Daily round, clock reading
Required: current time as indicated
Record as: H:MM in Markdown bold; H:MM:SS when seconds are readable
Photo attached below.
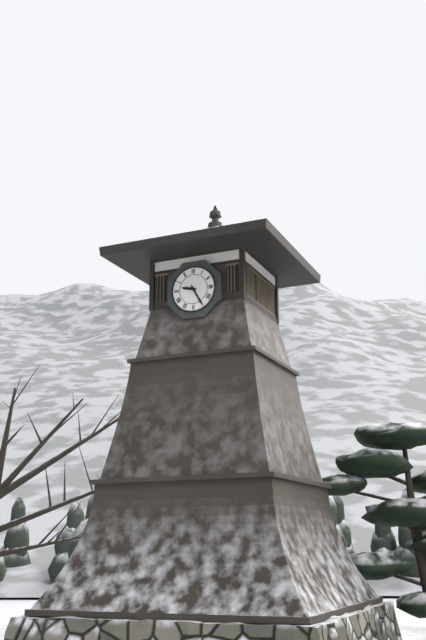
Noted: **9:25**
